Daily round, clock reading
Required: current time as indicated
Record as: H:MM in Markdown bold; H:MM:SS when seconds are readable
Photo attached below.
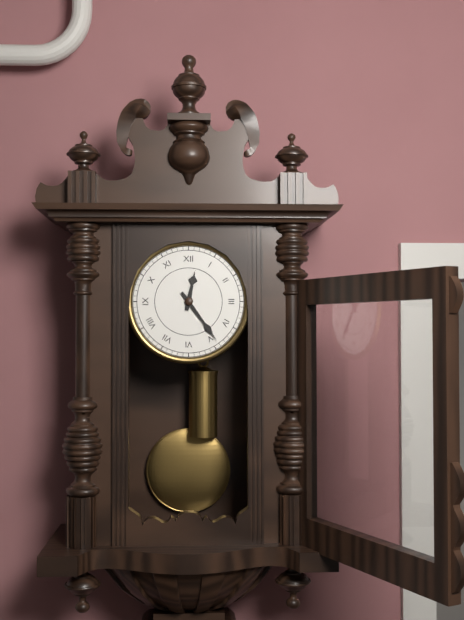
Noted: **12:24**
